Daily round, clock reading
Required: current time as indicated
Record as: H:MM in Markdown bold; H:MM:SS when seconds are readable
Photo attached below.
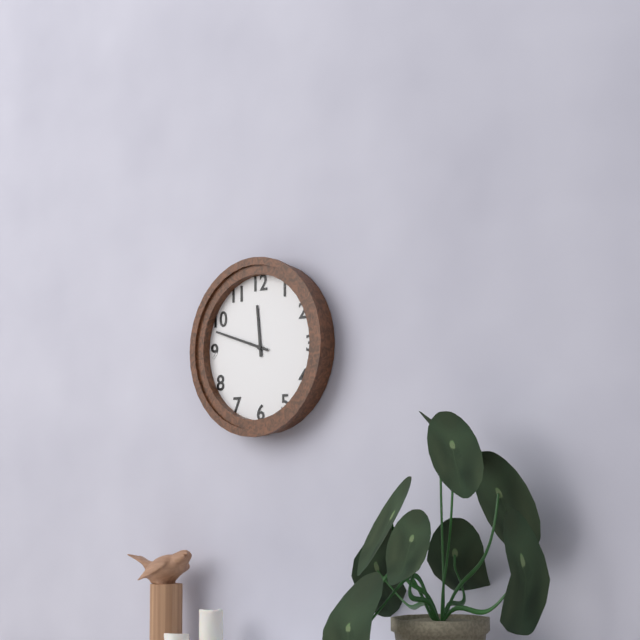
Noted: **11:48**
